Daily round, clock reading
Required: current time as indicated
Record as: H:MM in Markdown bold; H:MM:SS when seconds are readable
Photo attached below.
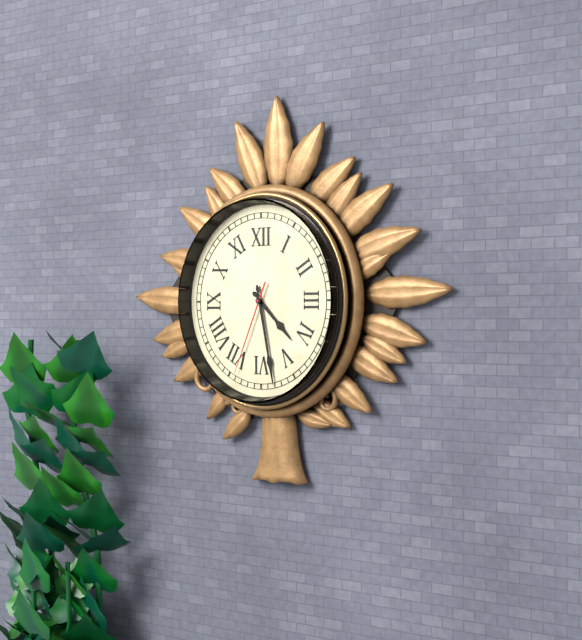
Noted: **4:28:34**
